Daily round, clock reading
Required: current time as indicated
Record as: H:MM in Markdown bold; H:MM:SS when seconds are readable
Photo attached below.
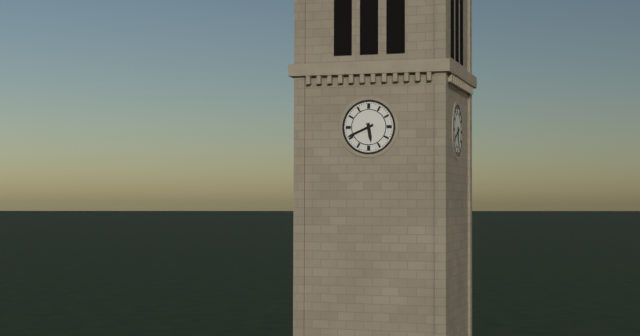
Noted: **5:41**
